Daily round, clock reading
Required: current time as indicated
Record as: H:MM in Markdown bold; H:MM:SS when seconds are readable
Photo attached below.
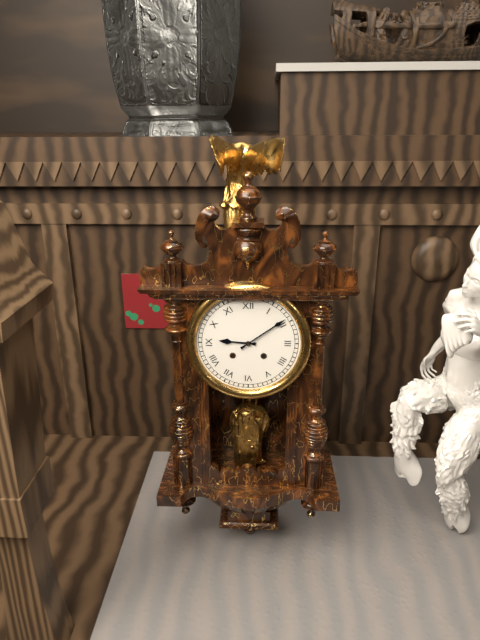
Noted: **9:09**
